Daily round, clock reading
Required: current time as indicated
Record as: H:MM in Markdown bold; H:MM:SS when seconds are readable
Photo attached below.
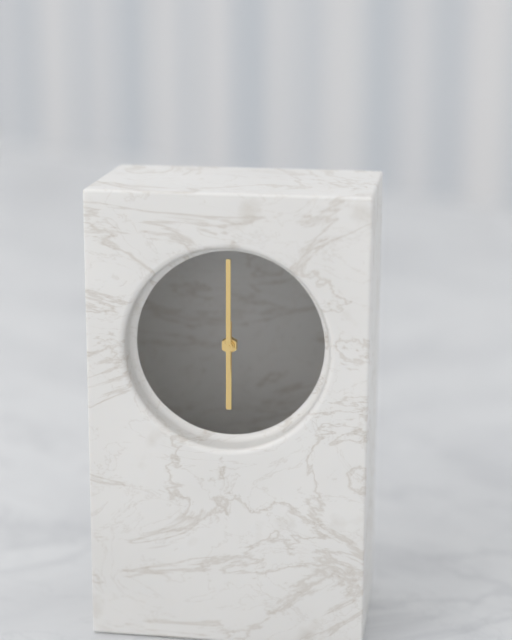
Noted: **6:00**
